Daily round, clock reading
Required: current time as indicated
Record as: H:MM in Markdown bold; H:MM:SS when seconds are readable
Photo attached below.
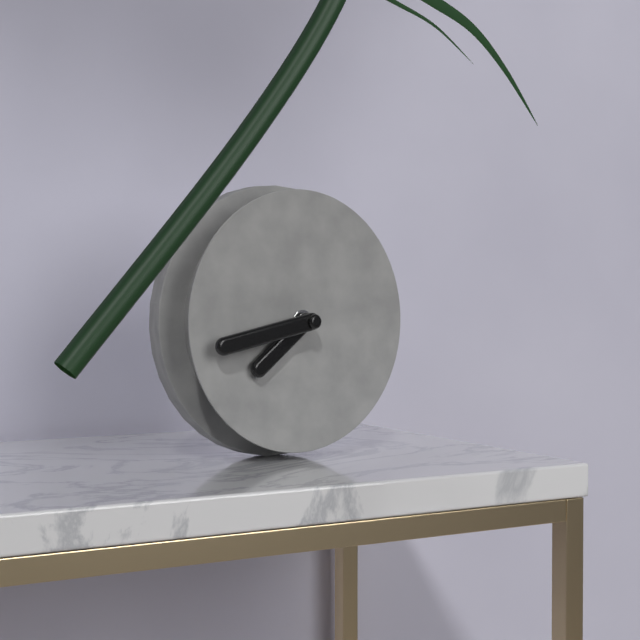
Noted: **7:43**
